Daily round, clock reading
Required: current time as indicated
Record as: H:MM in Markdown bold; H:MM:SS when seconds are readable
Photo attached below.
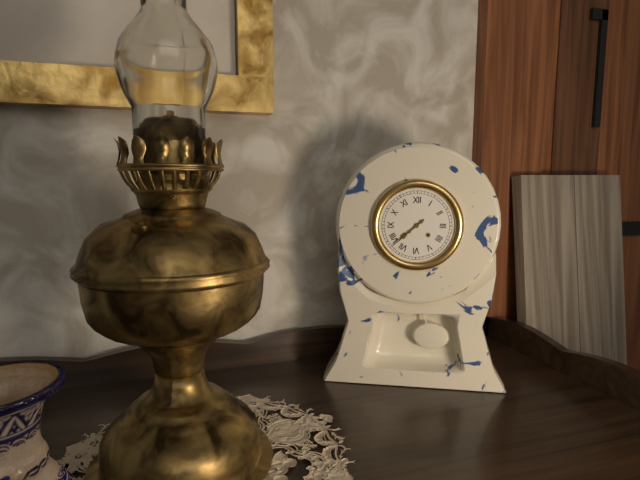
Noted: **7:38**
